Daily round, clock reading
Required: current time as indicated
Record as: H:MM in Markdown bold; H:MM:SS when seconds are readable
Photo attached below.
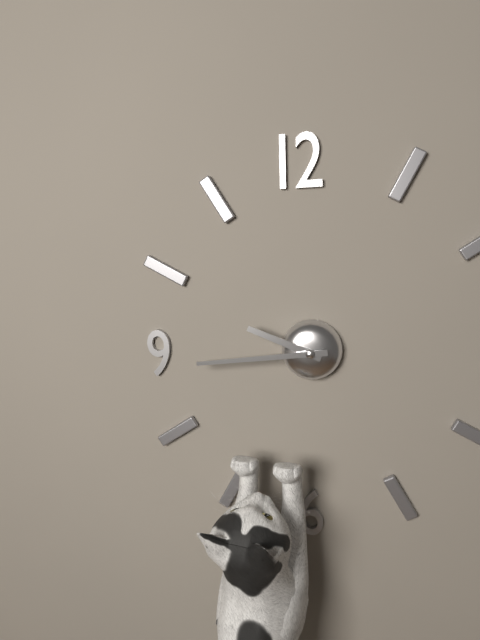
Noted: **9:44**
